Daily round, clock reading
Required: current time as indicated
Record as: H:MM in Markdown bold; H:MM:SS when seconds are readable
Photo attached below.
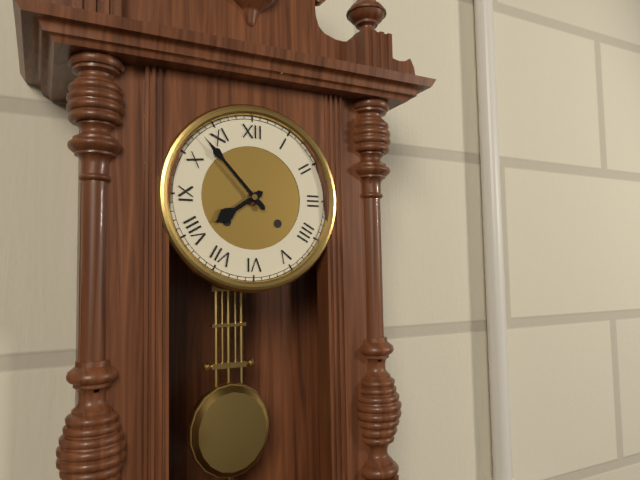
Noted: **7:53**
